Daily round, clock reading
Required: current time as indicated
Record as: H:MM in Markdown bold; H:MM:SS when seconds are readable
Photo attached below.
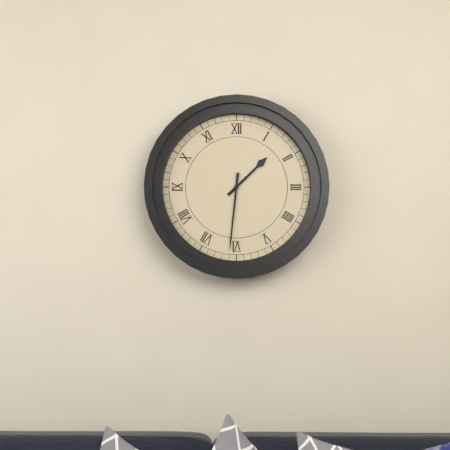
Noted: **1:31**
